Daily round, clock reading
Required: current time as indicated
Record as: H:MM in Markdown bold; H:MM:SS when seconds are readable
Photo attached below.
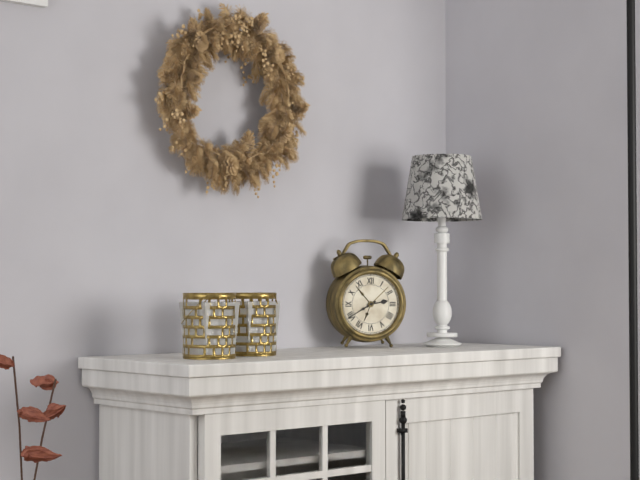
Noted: **2:40**
